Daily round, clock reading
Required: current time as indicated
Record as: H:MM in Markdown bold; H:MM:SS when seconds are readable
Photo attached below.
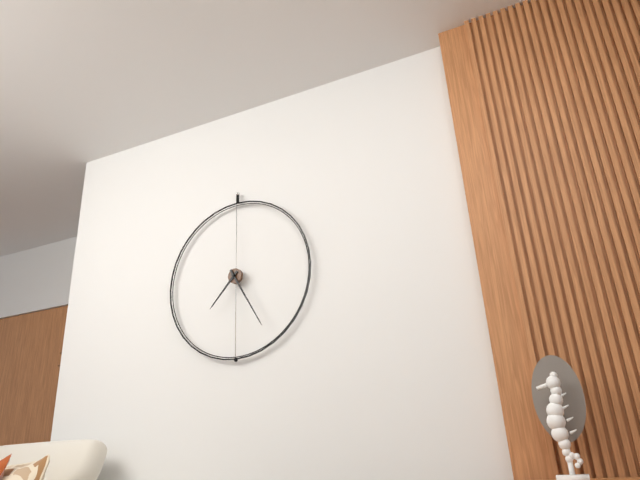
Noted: **7:25**
